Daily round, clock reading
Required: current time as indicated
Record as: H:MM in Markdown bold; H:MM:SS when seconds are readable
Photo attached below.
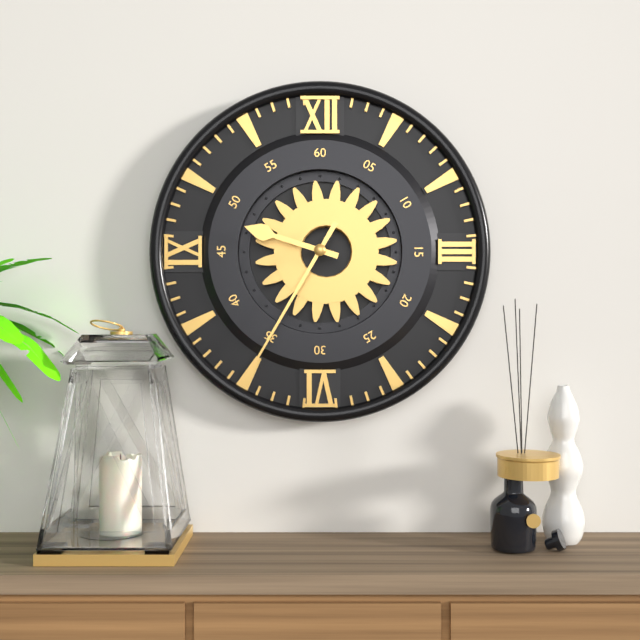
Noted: **9:35**
